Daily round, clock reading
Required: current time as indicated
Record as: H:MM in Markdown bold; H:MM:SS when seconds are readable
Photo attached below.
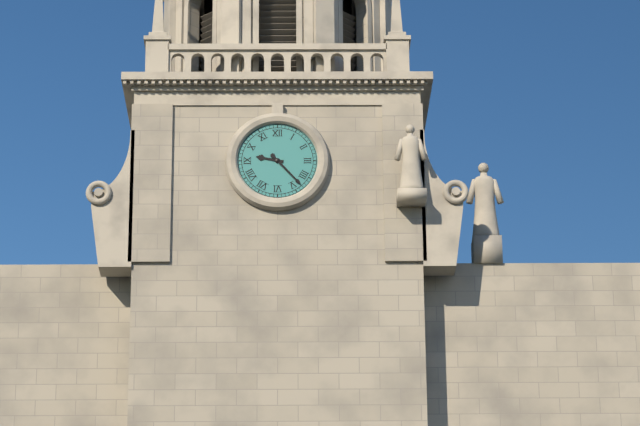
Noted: **9:23**
